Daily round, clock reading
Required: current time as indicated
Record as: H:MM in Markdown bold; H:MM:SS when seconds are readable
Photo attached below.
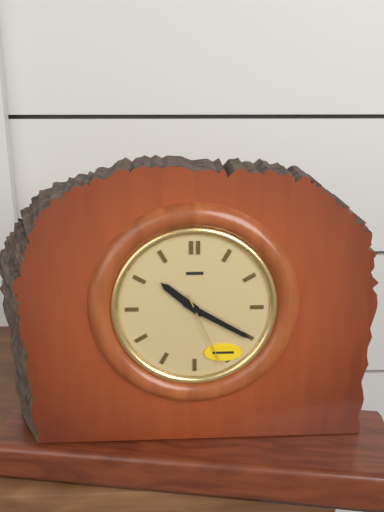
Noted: **10:20:26**
